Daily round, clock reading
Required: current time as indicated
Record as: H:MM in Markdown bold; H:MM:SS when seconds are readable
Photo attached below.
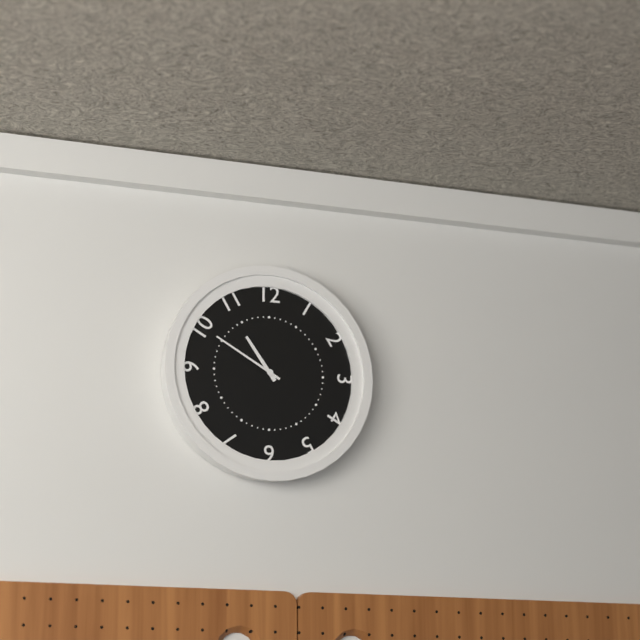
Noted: **10:50**
